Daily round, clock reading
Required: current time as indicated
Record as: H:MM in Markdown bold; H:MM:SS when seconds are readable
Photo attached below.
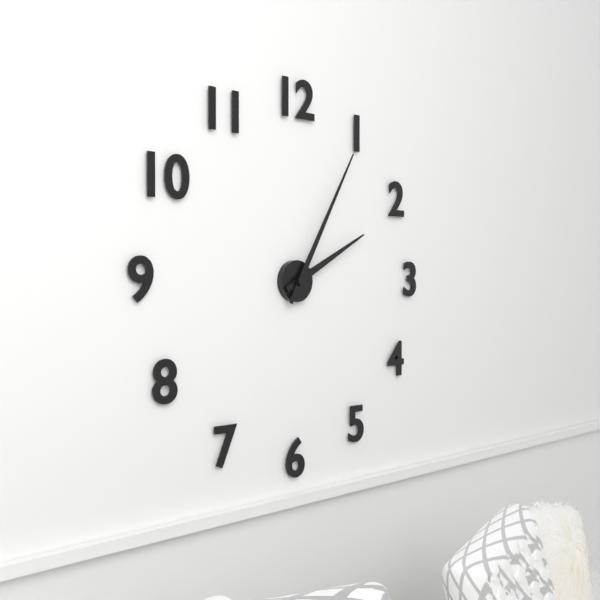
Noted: **2:05**
